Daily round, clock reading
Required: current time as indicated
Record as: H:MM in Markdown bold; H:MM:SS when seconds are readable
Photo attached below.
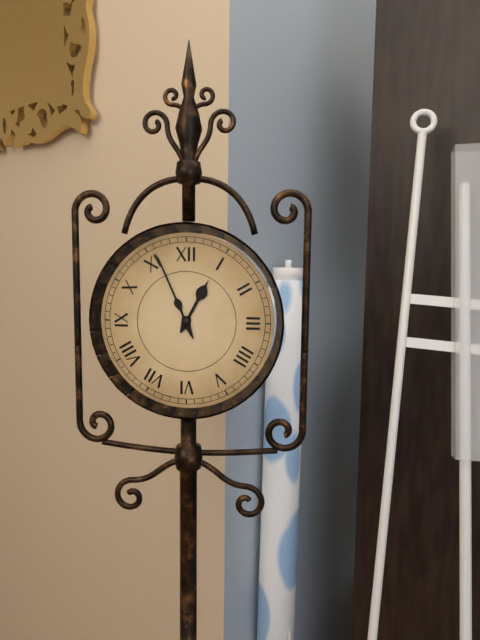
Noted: **12:56**
